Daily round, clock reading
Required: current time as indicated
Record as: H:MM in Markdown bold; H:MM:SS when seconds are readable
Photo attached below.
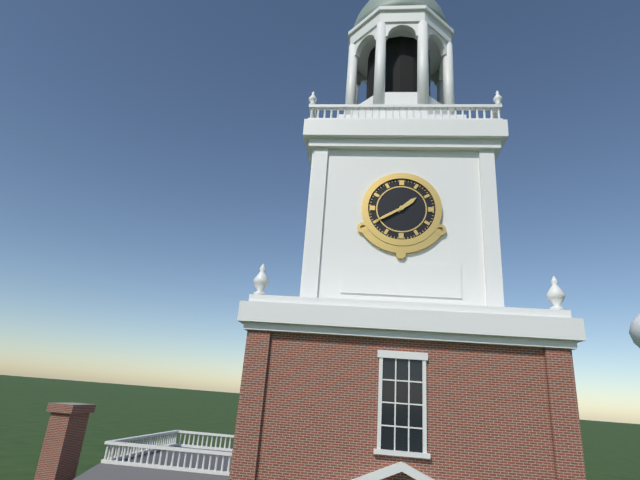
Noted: **1:40**
